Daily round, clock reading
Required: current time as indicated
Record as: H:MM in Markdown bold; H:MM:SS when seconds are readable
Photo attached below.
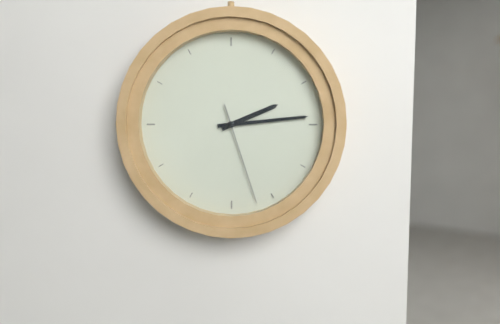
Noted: **2:14:27**
